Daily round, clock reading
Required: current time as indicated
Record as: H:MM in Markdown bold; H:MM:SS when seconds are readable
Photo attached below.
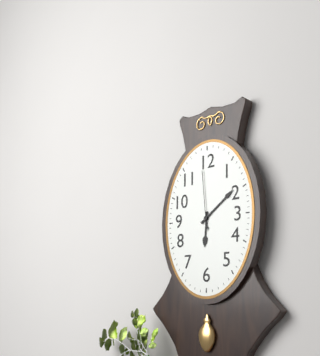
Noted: **6:09:59**
